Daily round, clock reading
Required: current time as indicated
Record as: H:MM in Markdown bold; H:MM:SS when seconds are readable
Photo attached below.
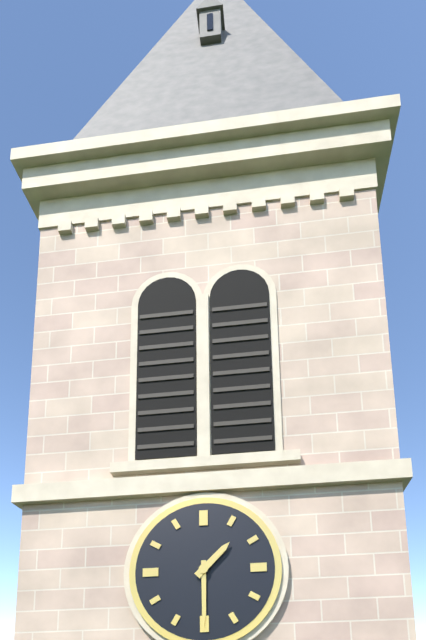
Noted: **1:30**
